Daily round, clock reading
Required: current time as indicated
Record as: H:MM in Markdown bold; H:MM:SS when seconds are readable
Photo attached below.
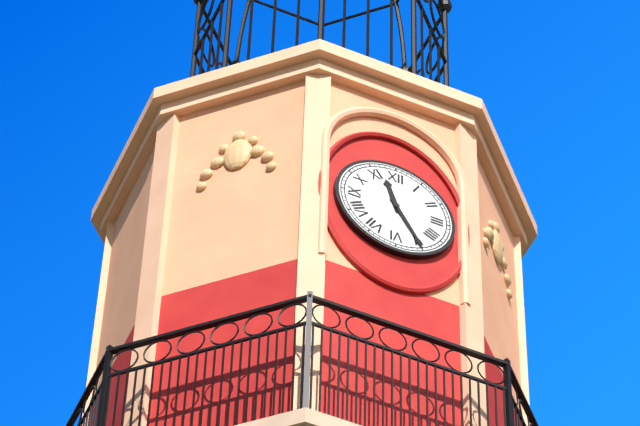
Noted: **11:25**
